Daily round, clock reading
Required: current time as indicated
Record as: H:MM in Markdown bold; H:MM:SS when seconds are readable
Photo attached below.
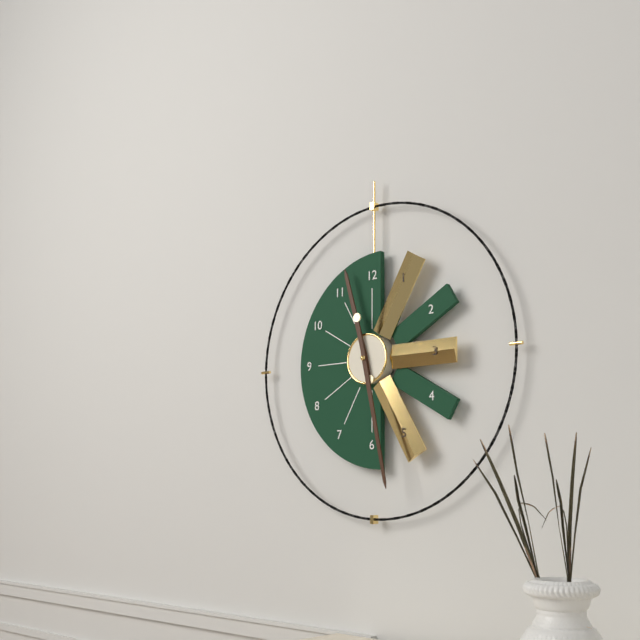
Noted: **11:28**
